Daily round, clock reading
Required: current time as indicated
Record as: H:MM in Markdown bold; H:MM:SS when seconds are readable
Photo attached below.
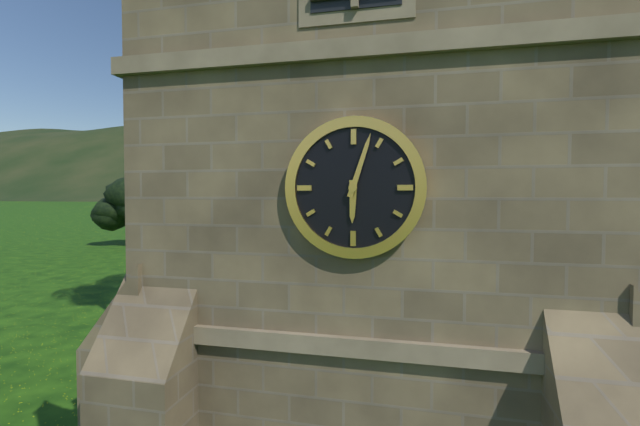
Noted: **6:03**
